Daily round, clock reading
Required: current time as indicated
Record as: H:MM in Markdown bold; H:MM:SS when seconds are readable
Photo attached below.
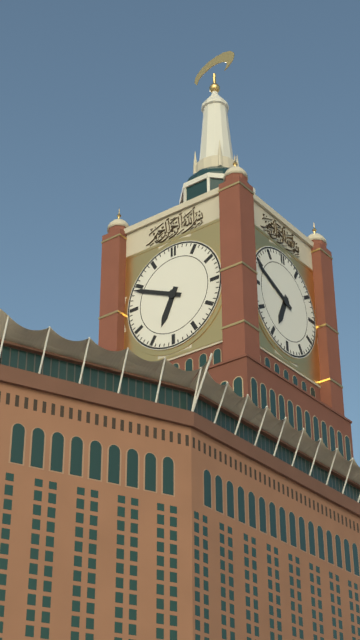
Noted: **6:49**
